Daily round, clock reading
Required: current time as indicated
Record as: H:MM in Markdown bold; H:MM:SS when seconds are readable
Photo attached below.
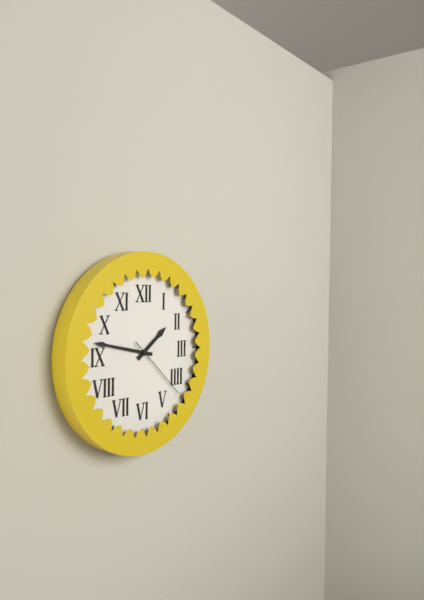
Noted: **1:47:22**
